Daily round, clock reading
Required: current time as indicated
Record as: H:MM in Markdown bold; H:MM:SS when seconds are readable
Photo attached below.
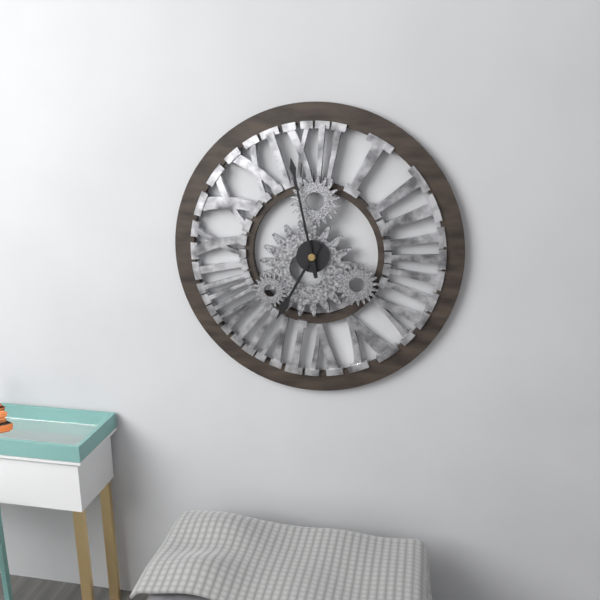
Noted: **6:58**
